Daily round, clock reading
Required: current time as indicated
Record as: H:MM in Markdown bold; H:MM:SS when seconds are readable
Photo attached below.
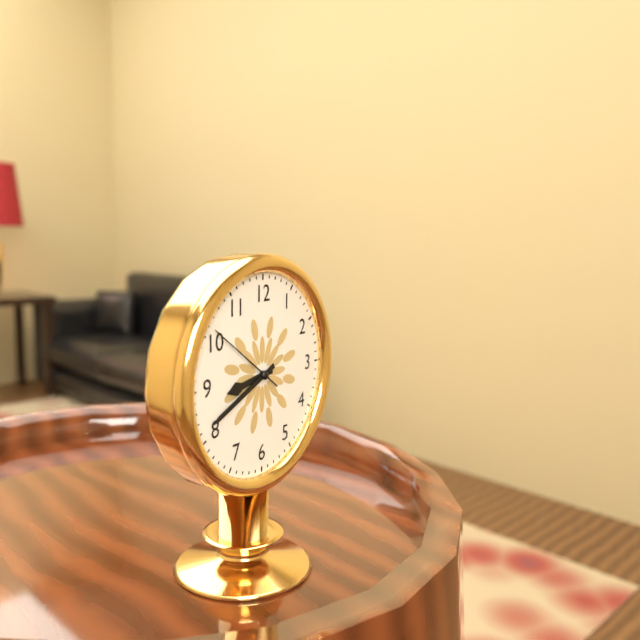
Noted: **8:41:51**
